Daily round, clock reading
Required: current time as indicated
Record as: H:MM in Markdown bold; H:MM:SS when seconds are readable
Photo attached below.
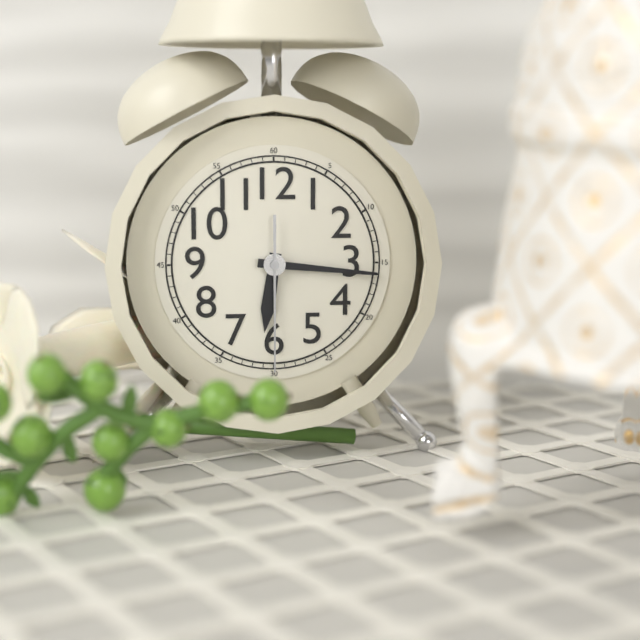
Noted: **6:16:30**
